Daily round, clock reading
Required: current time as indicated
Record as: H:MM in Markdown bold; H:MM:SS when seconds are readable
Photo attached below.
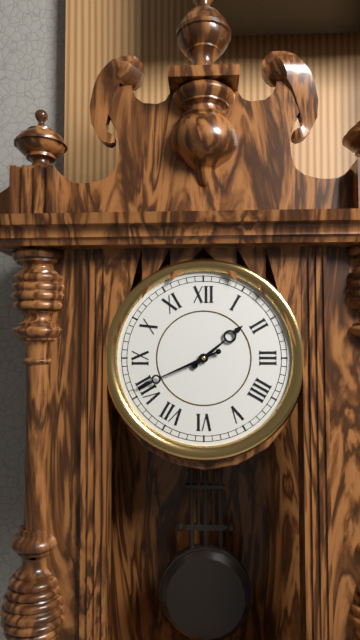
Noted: **1:41**
